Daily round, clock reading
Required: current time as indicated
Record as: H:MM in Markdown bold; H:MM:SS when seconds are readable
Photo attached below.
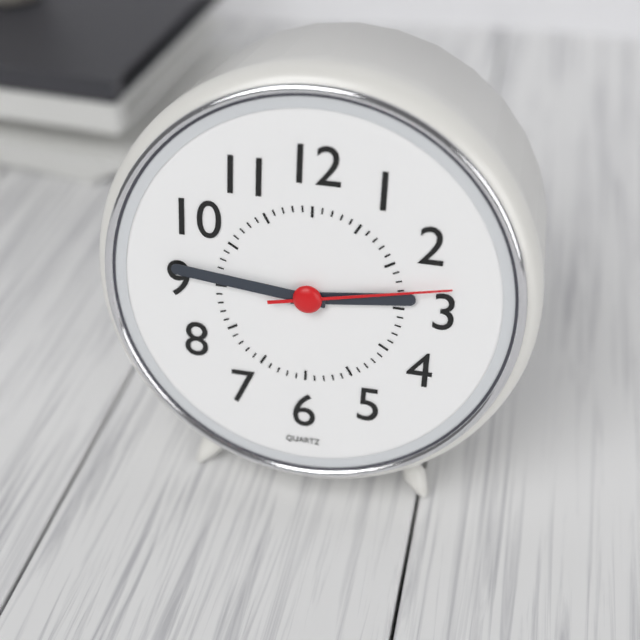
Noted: **2:46:13**
